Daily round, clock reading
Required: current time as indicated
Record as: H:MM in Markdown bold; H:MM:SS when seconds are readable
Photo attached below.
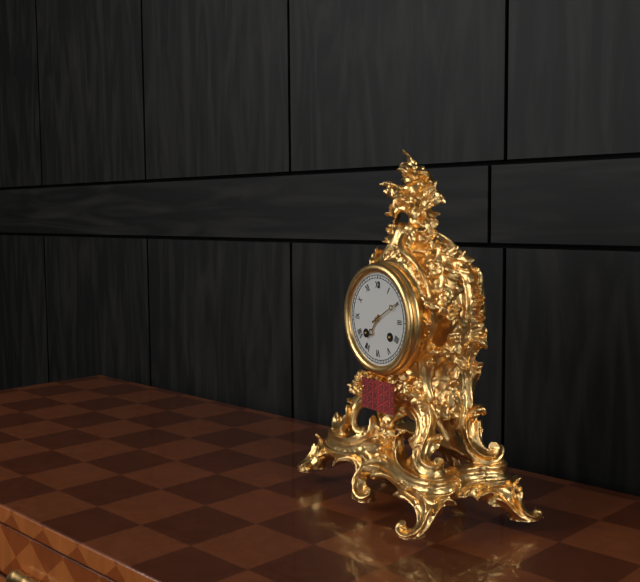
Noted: **7:10**
